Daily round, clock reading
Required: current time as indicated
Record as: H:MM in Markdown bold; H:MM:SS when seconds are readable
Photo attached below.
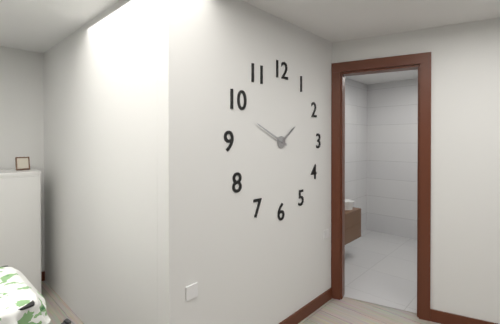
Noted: **1:49**
